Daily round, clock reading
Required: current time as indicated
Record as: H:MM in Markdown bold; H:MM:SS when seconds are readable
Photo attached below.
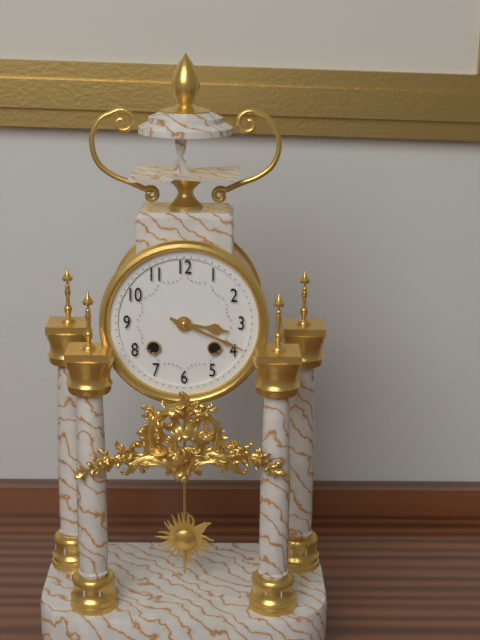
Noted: **3:19**
